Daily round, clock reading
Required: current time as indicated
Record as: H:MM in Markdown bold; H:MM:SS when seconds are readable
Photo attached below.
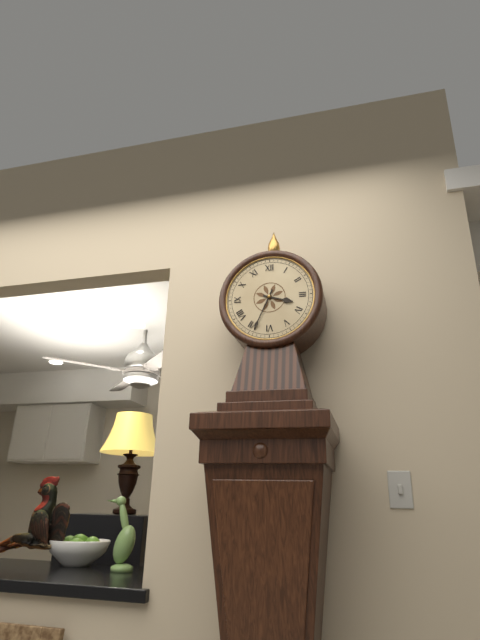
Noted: **3:34**
